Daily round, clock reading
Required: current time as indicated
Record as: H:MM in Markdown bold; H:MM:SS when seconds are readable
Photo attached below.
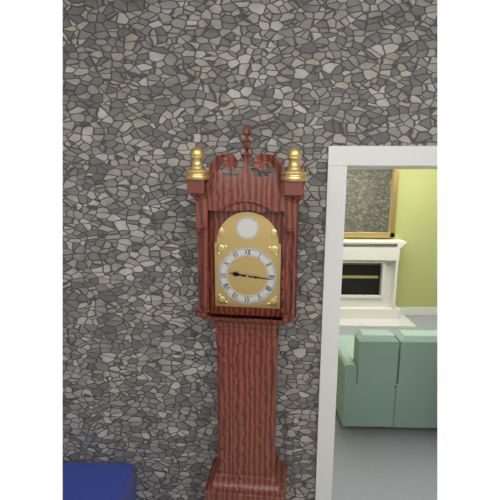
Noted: **9:16**
